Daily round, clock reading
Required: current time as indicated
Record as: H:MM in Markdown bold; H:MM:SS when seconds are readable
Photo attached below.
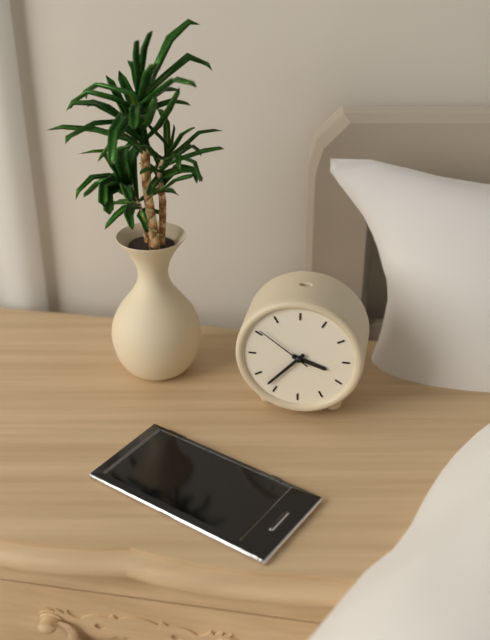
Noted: **3:37:51**
